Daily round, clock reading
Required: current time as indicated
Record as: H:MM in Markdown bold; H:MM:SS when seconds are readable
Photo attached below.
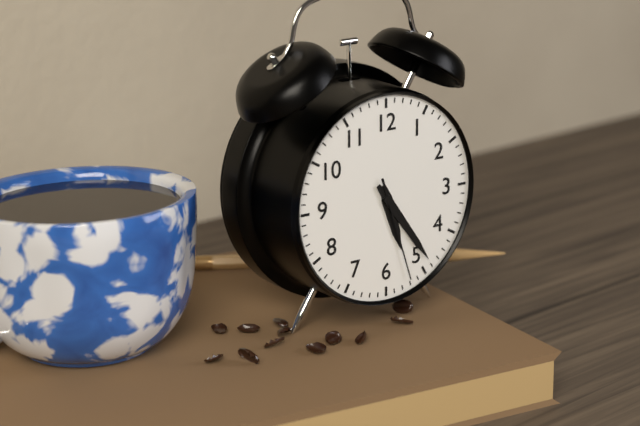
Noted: **5:24:27**
